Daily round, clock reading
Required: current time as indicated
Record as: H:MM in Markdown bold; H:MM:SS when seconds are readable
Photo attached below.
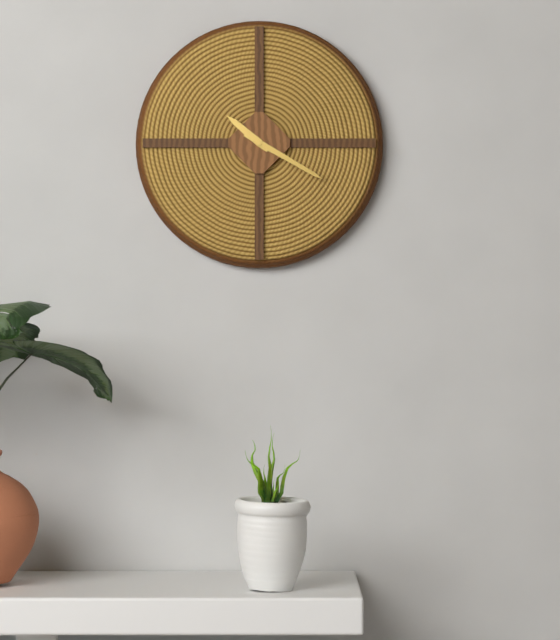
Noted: **10:20**
